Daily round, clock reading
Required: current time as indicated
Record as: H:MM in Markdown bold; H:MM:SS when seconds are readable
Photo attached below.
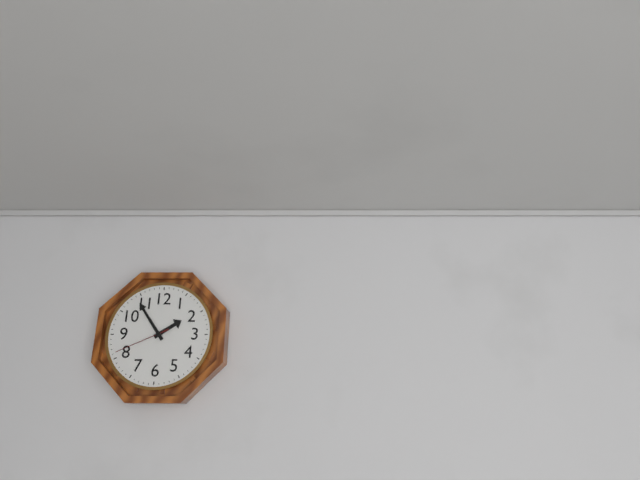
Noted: **1:54:41**
